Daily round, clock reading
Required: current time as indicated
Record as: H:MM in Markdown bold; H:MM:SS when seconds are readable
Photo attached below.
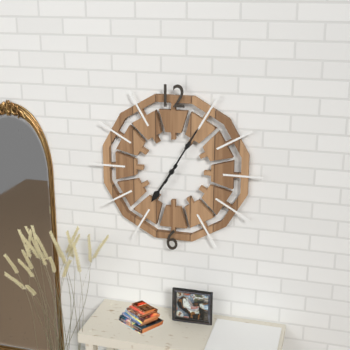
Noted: **7:05**
